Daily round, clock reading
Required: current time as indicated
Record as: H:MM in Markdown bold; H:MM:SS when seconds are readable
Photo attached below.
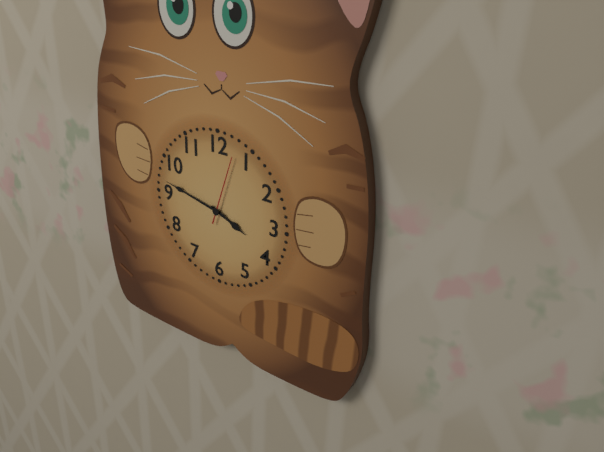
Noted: **3:47:03**
